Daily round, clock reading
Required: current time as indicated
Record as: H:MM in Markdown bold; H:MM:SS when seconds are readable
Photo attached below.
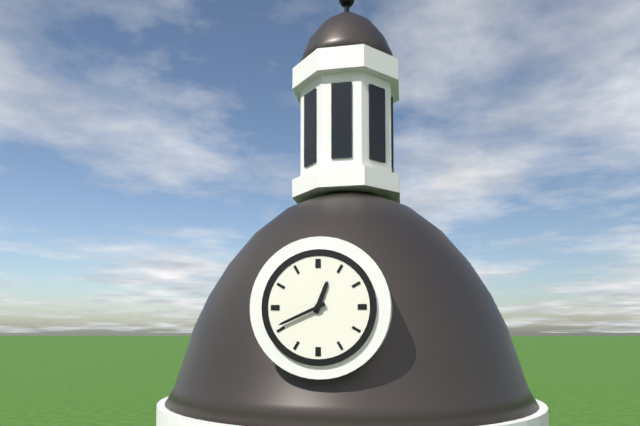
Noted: **12:41**
